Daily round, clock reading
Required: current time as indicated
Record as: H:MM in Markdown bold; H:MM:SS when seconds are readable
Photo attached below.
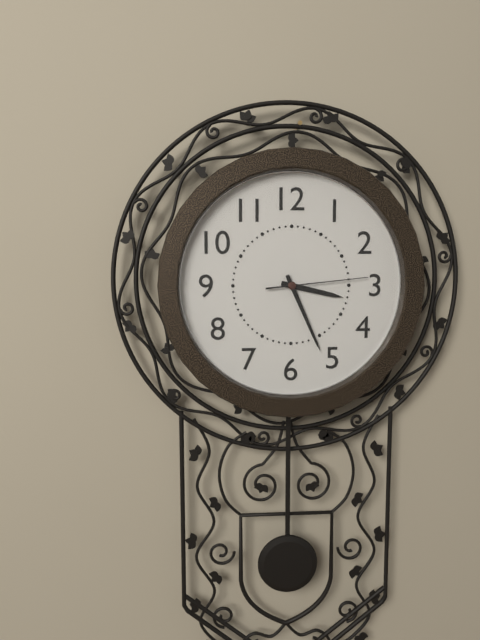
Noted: **3:26:14**
